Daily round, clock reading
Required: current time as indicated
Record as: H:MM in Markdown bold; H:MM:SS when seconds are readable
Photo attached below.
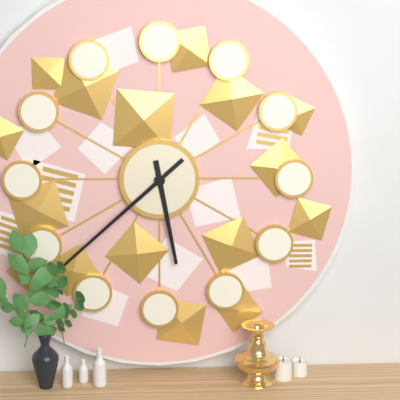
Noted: **5:38**
